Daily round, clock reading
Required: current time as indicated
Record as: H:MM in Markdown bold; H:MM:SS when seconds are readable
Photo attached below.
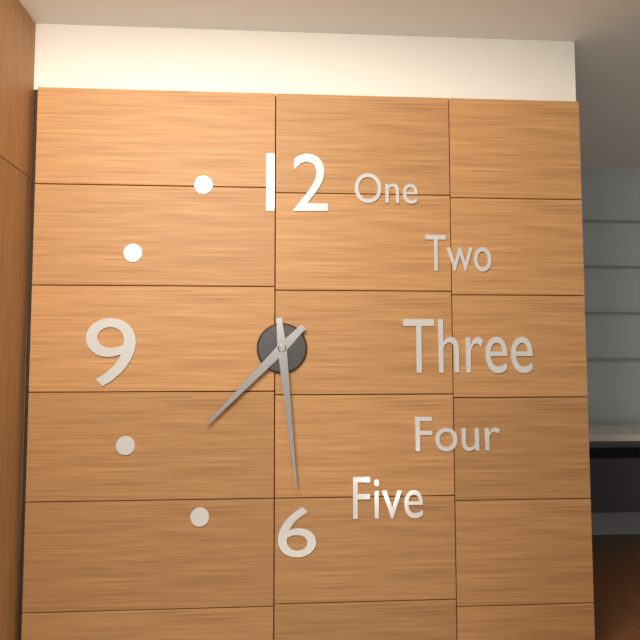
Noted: **7:29**
